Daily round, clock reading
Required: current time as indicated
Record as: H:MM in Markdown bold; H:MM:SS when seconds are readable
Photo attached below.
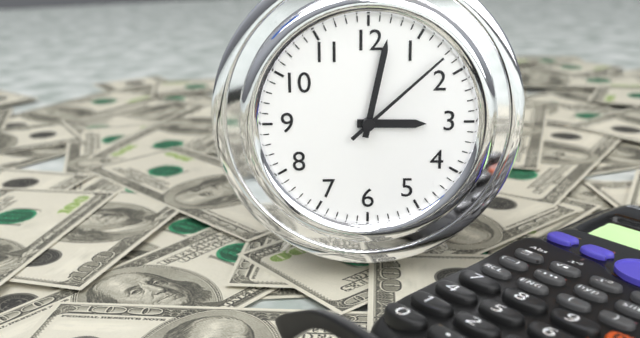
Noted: **3:02:08**
